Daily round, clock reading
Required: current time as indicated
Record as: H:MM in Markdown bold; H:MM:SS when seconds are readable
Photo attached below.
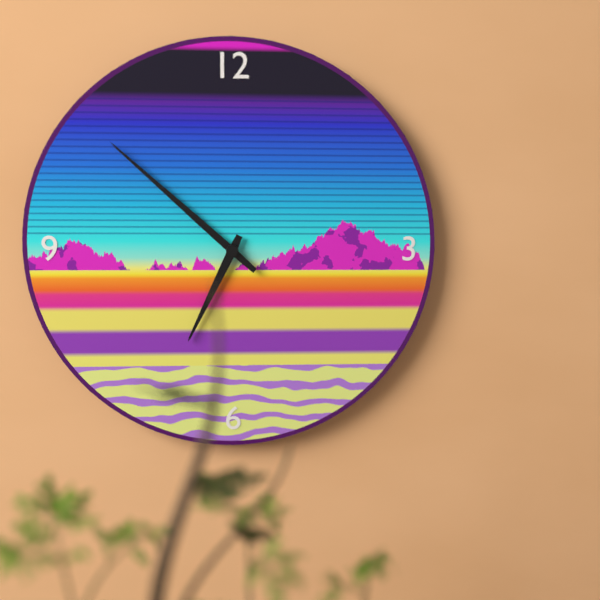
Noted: **6:52**
